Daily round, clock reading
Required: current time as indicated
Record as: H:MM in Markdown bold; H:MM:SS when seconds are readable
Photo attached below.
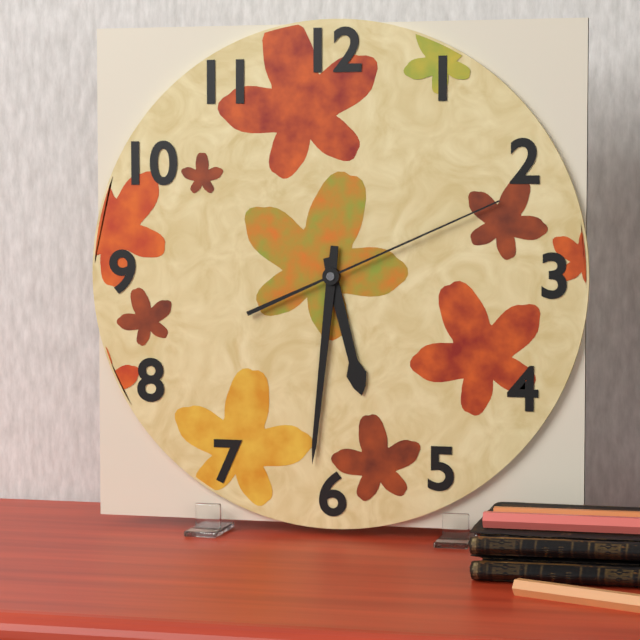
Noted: **5:31:11**
